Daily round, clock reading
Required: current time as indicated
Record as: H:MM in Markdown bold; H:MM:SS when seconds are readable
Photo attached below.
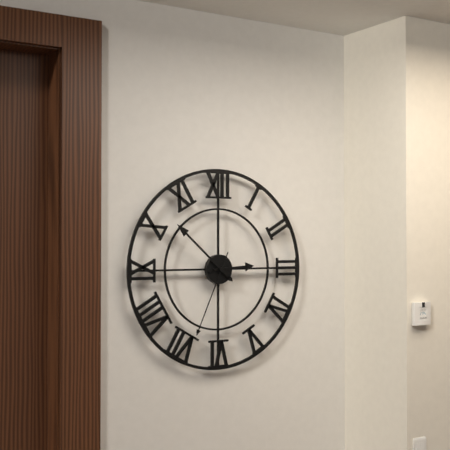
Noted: **2:52:34**
